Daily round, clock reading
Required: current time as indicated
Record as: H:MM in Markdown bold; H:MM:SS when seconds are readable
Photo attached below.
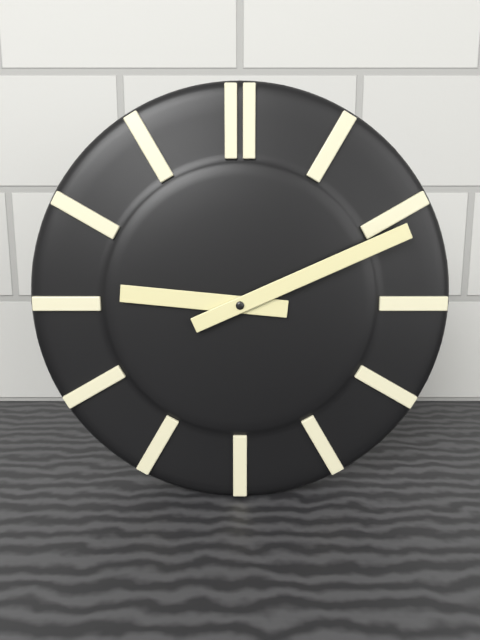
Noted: **9:11**
